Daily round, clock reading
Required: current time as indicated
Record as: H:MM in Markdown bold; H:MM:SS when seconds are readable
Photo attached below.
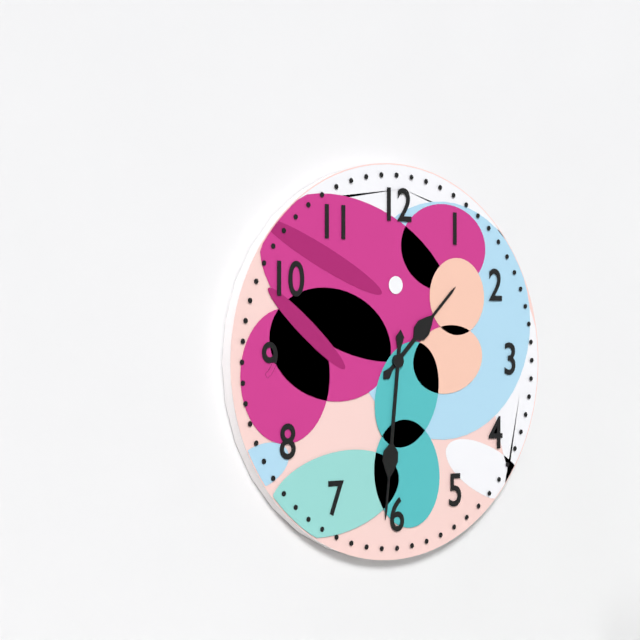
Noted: **1:31**
